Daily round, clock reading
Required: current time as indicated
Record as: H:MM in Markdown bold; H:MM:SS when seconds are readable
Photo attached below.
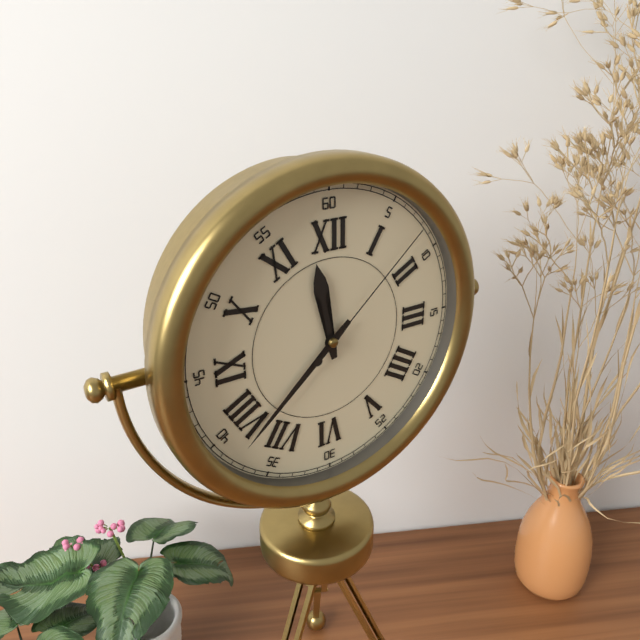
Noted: **11:38:08**
